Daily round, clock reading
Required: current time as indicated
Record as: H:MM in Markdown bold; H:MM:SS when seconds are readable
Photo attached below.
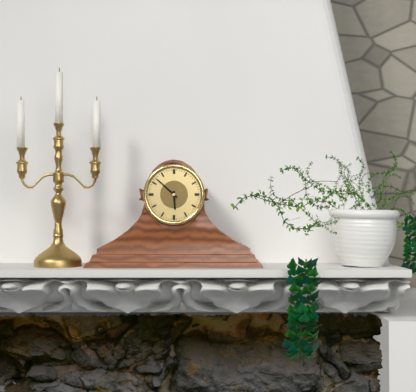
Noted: **5:52**
